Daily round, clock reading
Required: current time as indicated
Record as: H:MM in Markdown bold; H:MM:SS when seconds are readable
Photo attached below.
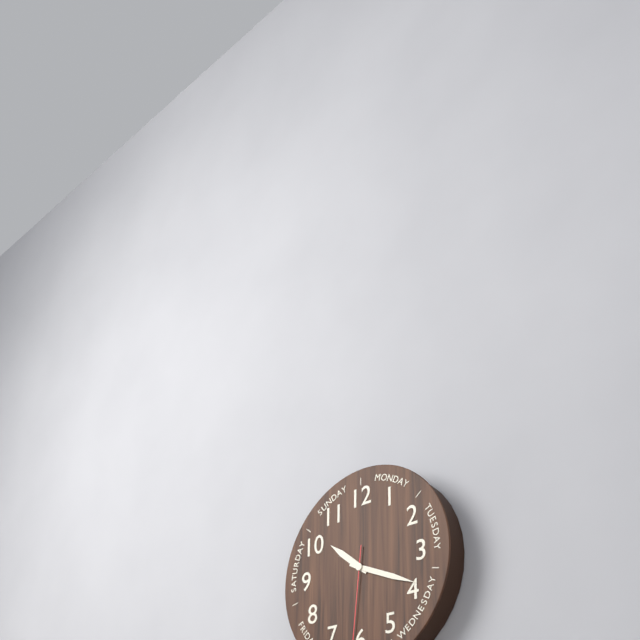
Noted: **10:19**
